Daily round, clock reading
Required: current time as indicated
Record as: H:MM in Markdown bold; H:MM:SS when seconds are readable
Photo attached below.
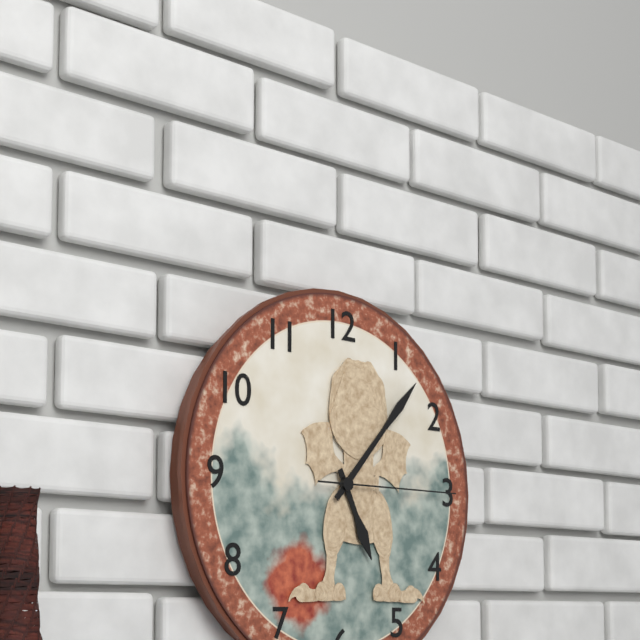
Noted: **5:07:15**
